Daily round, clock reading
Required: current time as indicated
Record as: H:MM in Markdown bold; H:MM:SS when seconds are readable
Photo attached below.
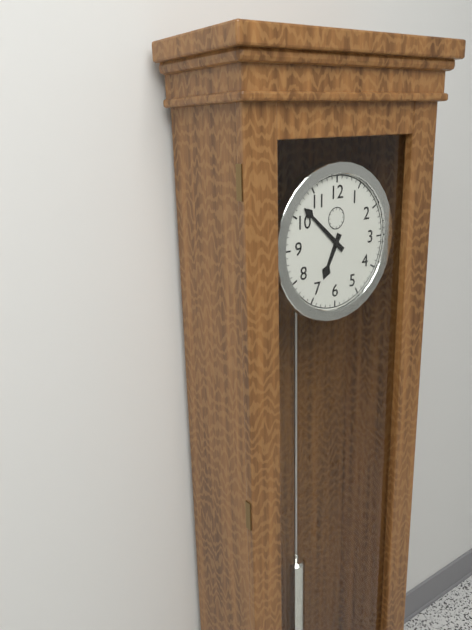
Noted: **6:52**
